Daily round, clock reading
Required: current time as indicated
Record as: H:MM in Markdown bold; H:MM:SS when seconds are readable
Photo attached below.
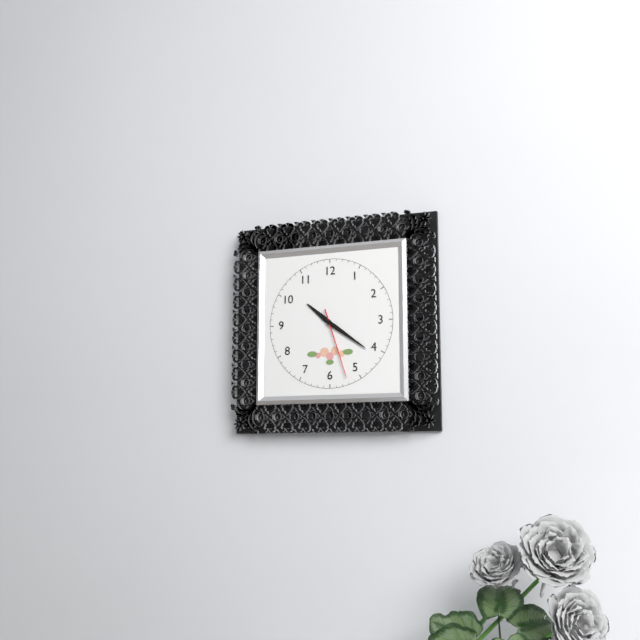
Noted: **10:21:27**
